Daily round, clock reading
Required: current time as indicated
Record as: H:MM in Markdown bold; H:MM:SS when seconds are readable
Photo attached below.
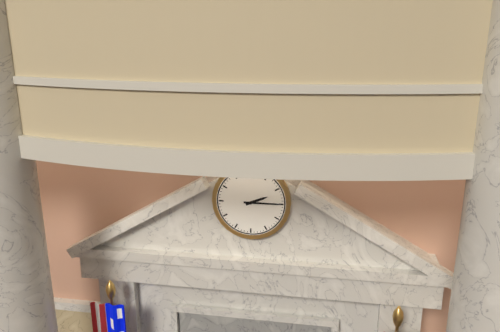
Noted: **2:15**
